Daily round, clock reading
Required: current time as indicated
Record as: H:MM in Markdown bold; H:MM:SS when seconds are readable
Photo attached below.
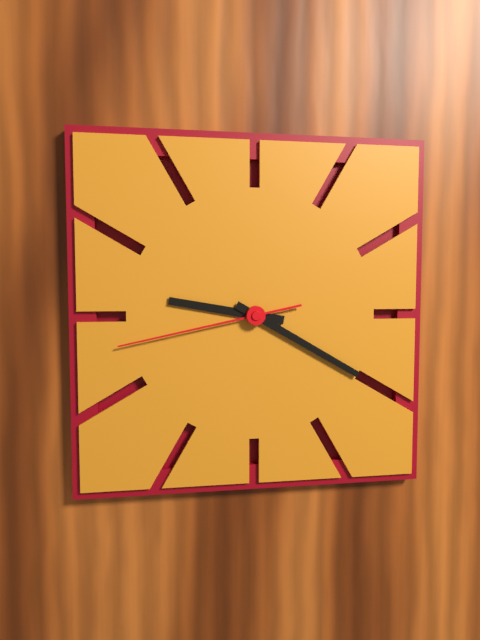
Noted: **9:20:43**
